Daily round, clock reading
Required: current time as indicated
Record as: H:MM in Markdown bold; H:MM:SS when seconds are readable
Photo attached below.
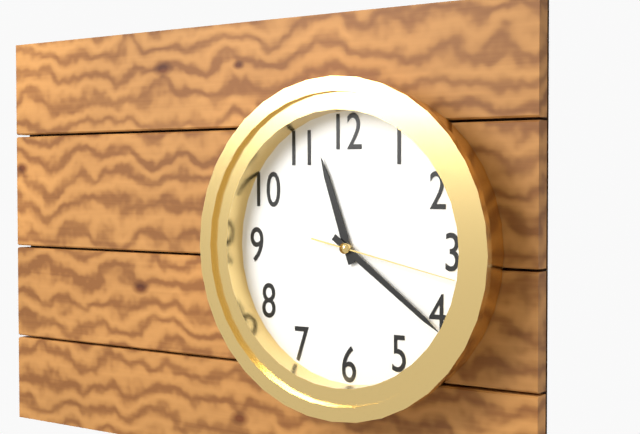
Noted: **11:21:17**
